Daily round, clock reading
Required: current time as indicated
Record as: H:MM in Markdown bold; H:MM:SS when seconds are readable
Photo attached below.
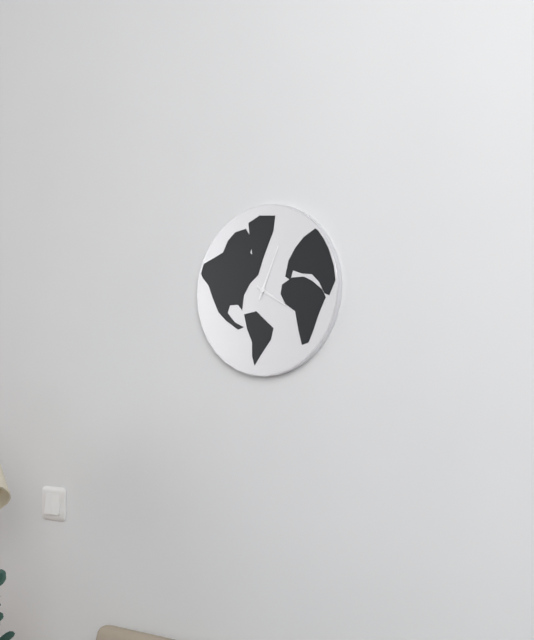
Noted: **4:04**
